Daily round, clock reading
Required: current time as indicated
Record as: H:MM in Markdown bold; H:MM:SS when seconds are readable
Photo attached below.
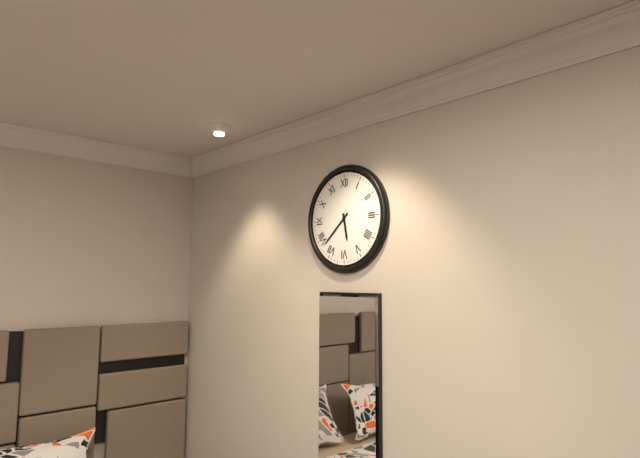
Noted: **5:38**
